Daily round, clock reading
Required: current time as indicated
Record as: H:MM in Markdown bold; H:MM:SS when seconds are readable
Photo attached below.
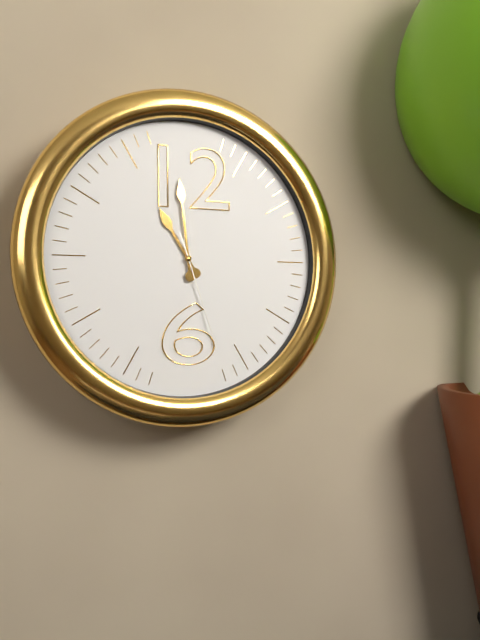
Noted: **10:59:27**
